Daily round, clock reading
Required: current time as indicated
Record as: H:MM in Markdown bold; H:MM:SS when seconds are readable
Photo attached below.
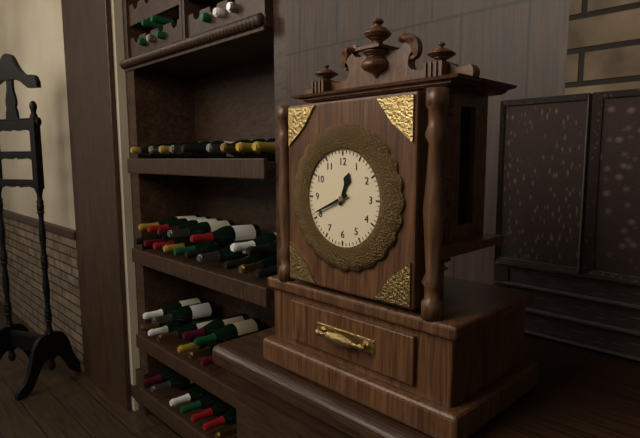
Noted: **12:41**
